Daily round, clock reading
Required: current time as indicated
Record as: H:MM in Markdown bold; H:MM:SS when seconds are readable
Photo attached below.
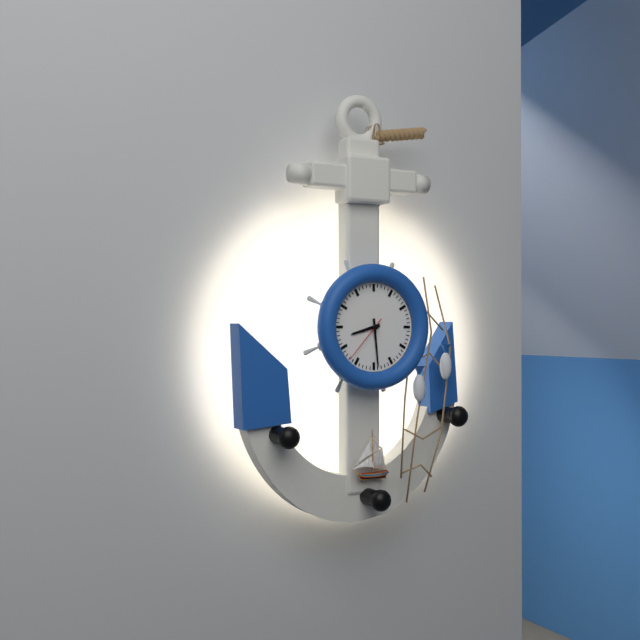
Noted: **8:29:37**
